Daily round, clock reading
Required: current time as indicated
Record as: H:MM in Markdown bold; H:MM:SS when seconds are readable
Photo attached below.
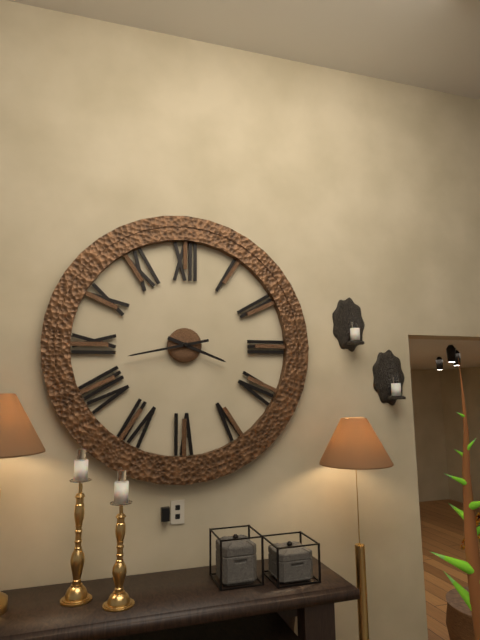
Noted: **3:43**
